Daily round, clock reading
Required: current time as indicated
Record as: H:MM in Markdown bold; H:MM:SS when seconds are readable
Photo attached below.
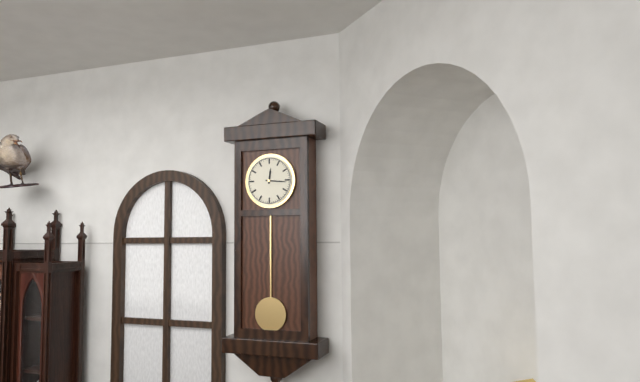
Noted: **12:16**
